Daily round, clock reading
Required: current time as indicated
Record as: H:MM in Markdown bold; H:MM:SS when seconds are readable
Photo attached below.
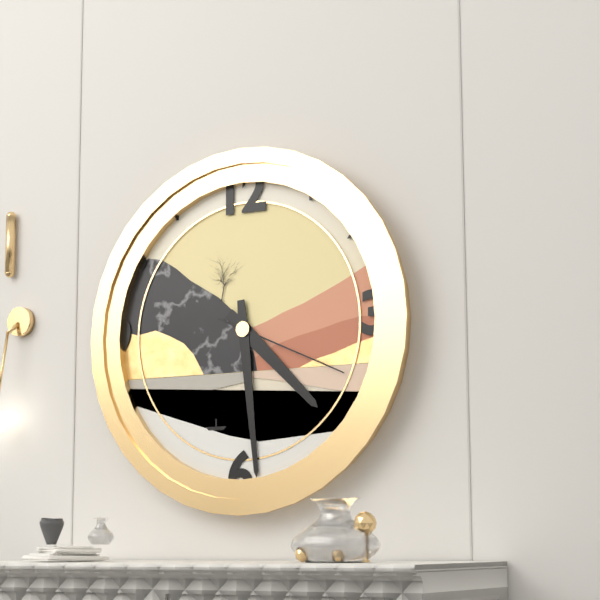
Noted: **4:29:19**
